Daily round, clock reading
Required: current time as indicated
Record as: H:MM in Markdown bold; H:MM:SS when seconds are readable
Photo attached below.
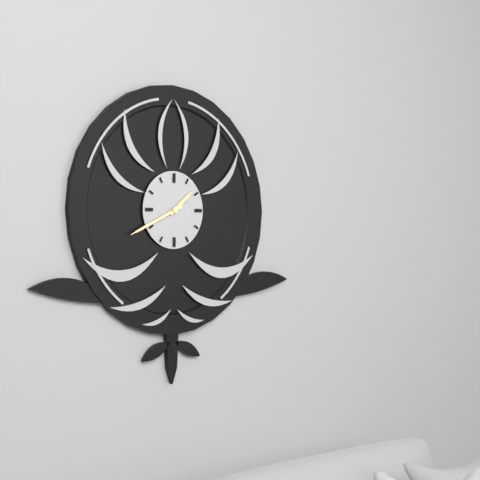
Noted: **1:41**
